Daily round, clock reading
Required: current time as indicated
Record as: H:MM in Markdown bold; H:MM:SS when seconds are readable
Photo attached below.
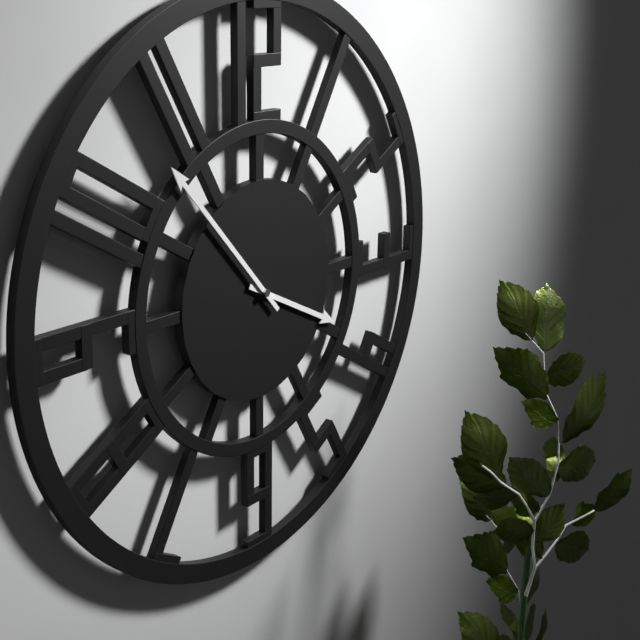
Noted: **3:53**
